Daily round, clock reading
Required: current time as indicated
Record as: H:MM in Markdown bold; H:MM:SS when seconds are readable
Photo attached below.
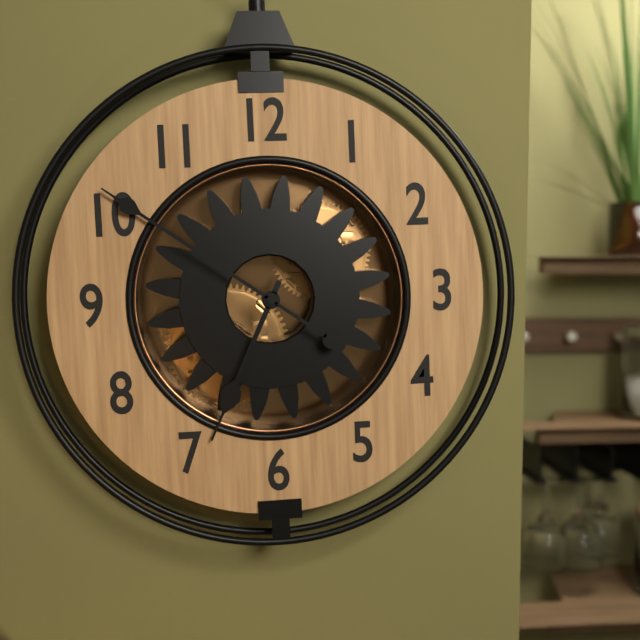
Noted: **6:51**
